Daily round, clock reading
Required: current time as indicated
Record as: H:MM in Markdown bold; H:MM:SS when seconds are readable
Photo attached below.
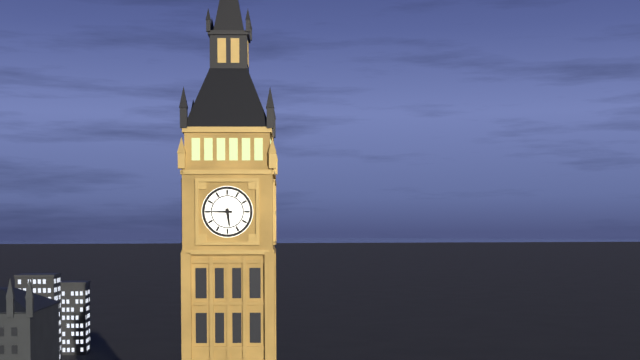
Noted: **5:45**
